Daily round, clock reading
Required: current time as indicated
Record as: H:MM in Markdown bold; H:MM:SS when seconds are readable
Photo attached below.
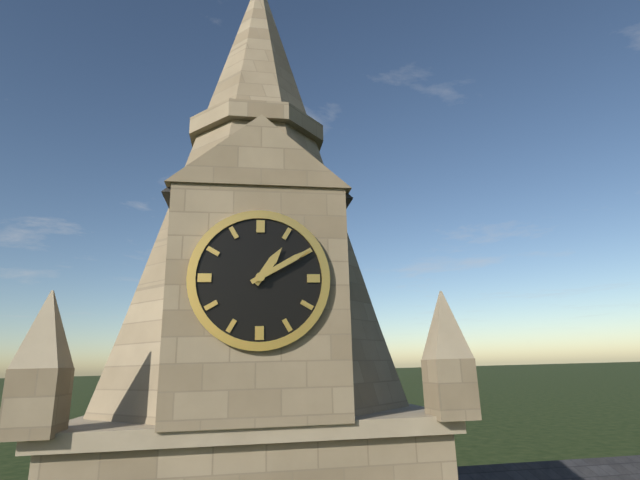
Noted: **1:10**
